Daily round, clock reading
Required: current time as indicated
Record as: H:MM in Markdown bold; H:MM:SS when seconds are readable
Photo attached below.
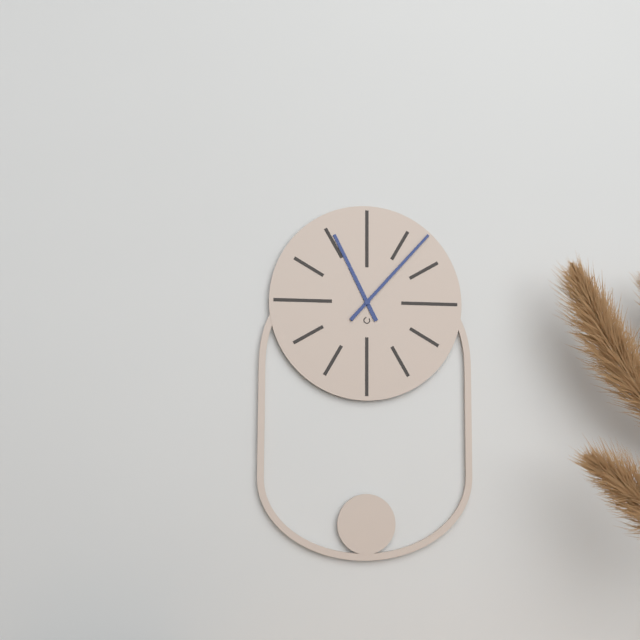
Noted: **11:07**
